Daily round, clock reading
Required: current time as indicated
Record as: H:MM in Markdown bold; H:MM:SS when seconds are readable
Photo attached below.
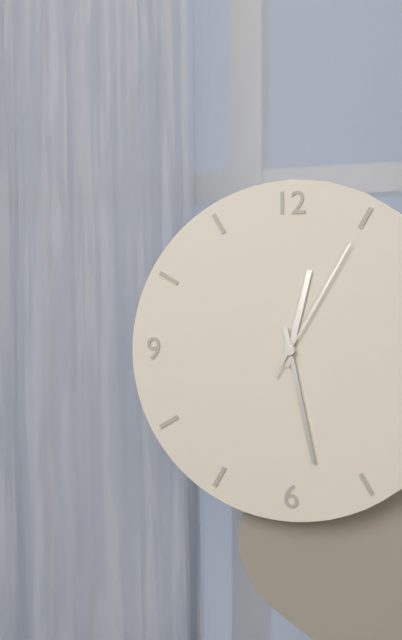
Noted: **12:28:05**
